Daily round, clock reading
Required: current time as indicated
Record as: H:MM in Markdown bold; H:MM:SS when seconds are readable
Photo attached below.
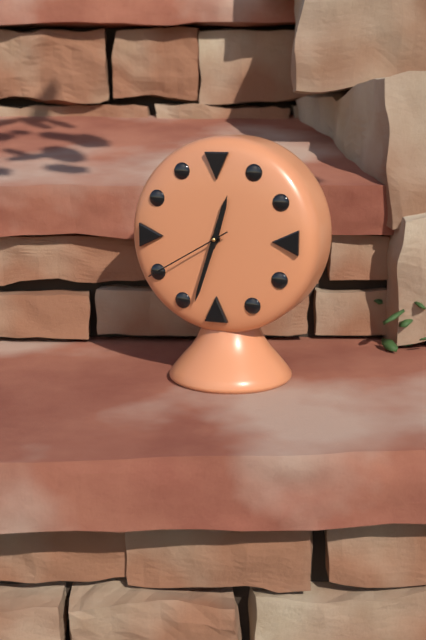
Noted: **12:33:40**
